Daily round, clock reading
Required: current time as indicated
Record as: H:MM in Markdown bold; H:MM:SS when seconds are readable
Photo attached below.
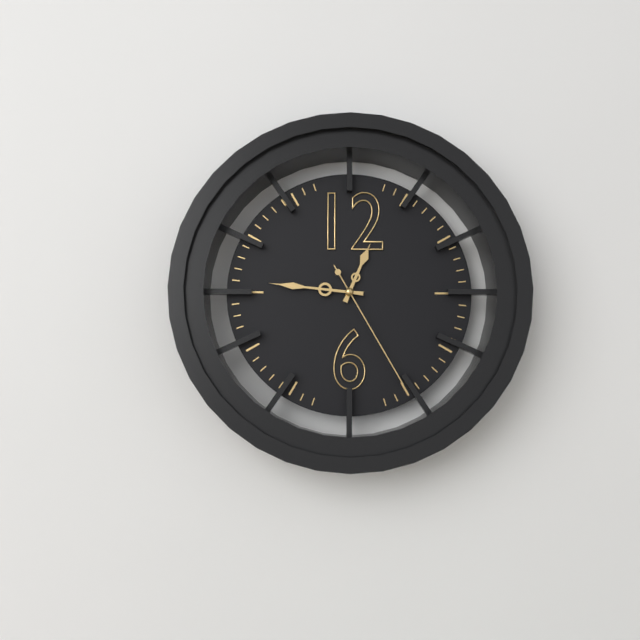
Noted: **12:46:25**
